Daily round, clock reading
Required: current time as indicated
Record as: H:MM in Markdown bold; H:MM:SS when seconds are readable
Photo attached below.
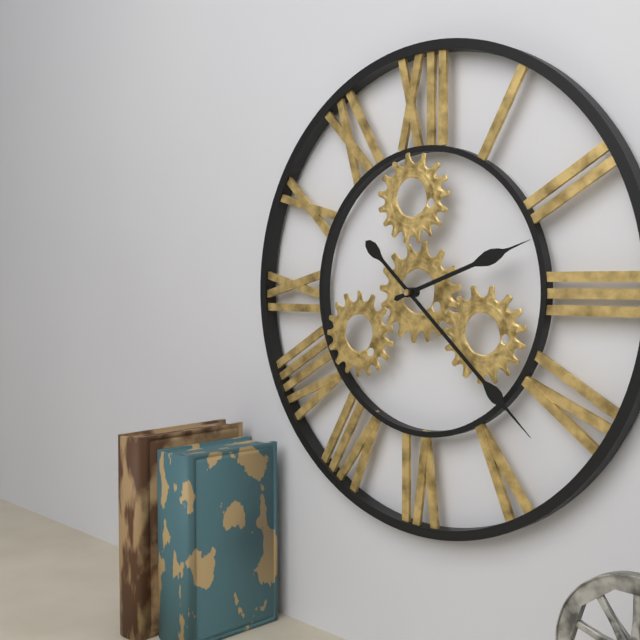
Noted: **2:22**
